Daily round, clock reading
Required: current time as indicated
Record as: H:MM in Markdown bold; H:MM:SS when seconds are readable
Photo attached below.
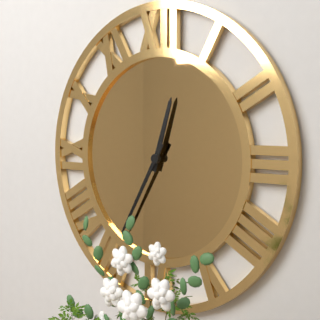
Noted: **12:35**
